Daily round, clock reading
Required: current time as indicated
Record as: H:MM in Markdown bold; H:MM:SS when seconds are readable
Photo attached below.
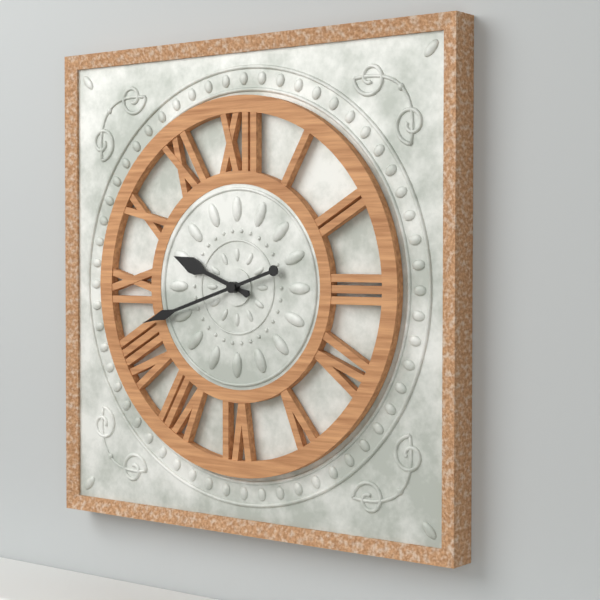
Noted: **9:42**
